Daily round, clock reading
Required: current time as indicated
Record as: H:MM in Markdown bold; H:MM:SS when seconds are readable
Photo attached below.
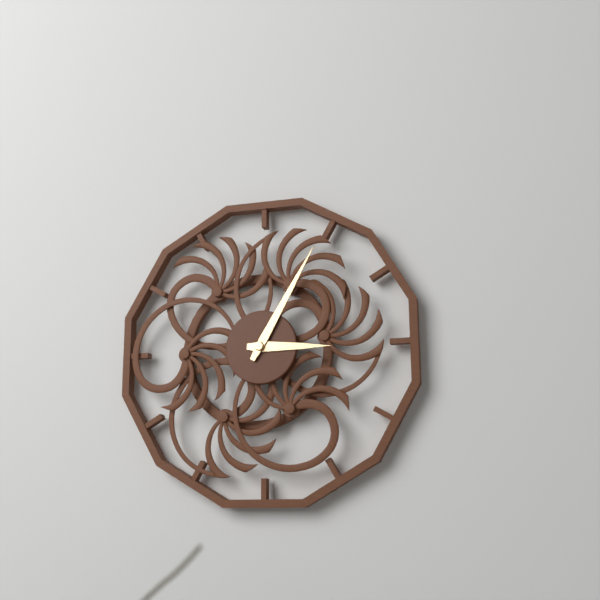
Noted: **3:05**
